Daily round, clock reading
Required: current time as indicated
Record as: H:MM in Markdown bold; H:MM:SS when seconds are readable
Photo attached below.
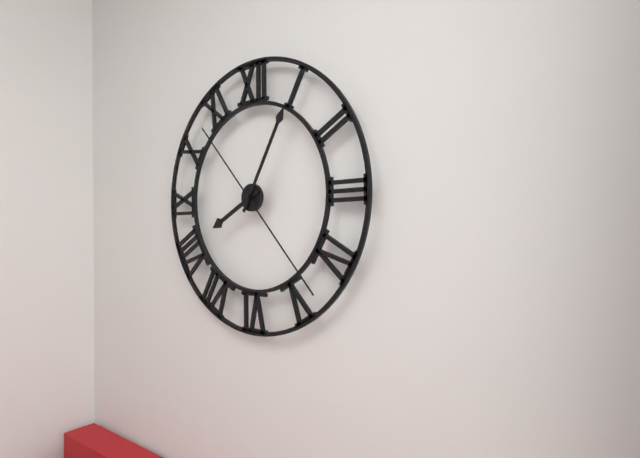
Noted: **8:05:23**
